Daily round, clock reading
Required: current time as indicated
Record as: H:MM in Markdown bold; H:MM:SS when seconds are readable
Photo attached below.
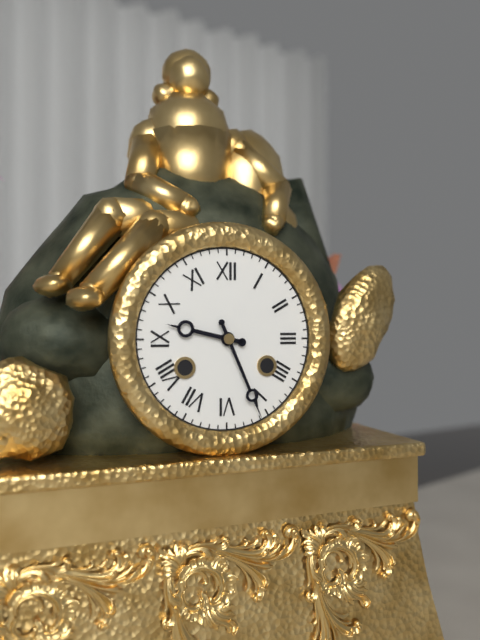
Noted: **9:26**
